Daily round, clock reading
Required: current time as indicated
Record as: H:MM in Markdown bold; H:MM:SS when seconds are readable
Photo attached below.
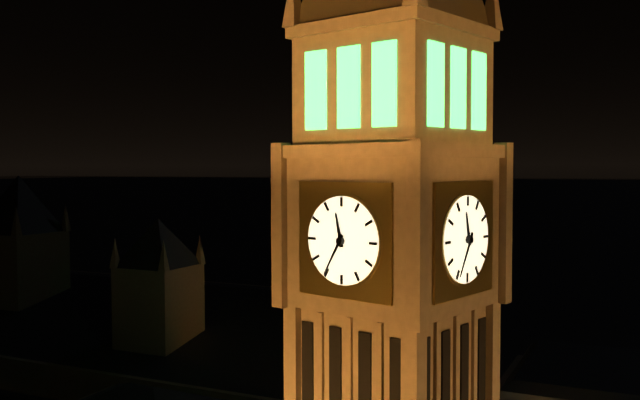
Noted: **11:35**
